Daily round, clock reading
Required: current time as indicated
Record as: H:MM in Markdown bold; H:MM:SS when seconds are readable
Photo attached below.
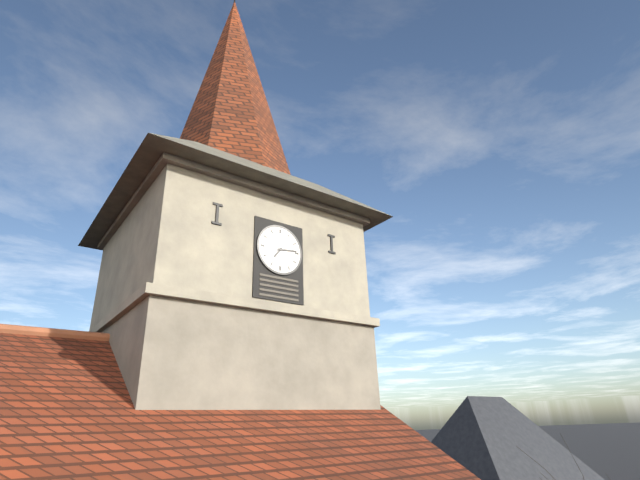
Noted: **7:14**
